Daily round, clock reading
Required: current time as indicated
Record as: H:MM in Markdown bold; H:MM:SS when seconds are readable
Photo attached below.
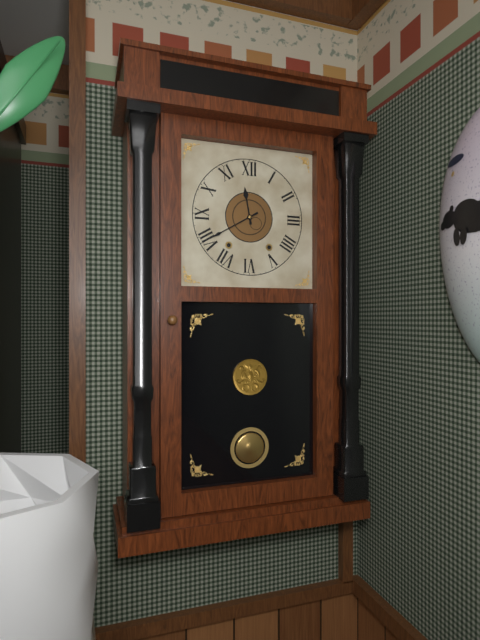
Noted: **11:40**
